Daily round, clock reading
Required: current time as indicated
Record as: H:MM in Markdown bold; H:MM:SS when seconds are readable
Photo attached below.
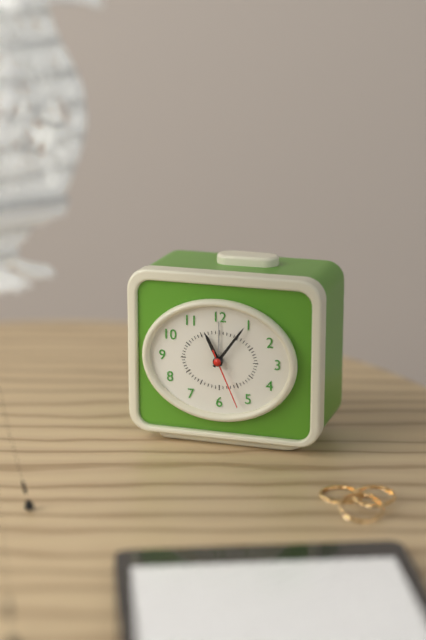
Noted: **11:06:26**
